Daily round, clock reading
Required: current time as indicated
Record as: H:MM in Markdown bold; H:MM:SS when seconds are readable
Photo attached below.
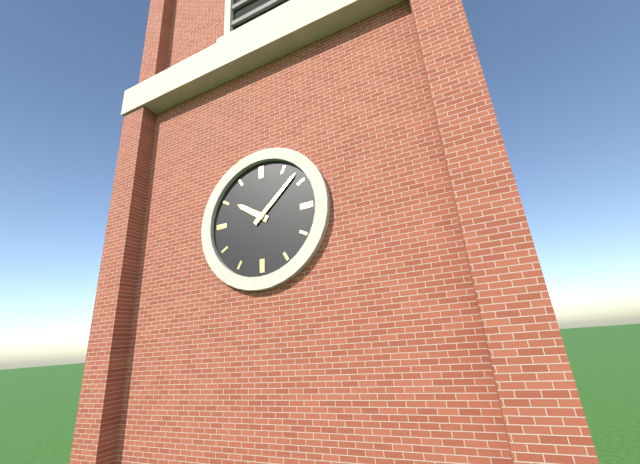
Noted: **10:08**
